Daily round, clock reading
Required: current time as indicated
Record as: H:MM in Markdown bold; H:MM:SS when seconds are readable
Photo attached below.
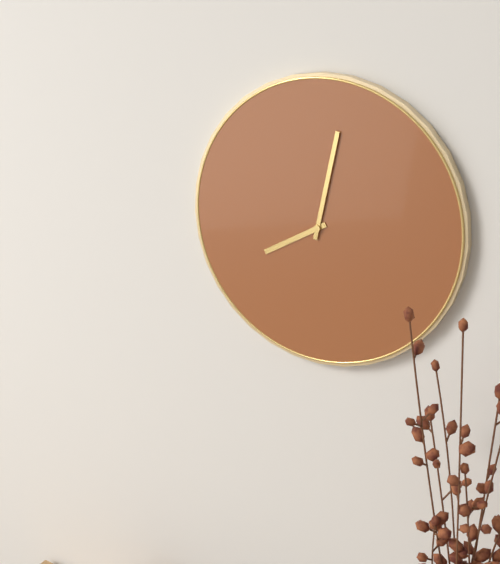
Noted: **8:02**
